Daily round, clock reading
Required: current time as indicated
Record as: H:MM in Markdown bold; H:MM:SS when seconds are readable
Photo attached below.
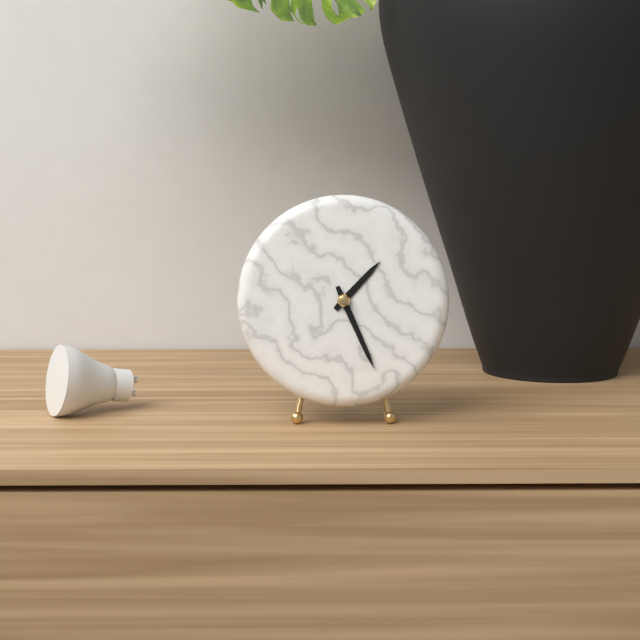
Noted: **1:26**
